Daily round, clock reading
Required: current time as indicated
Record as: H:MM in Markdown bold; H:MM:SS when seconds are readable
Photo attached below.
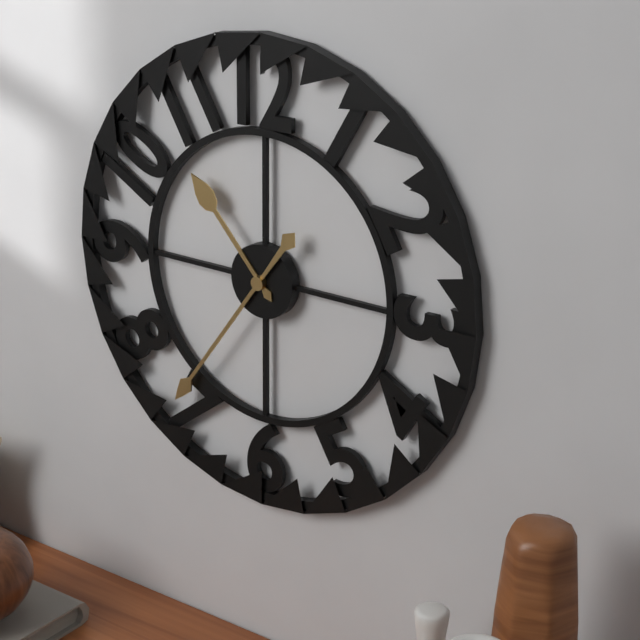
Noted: **10:36**
